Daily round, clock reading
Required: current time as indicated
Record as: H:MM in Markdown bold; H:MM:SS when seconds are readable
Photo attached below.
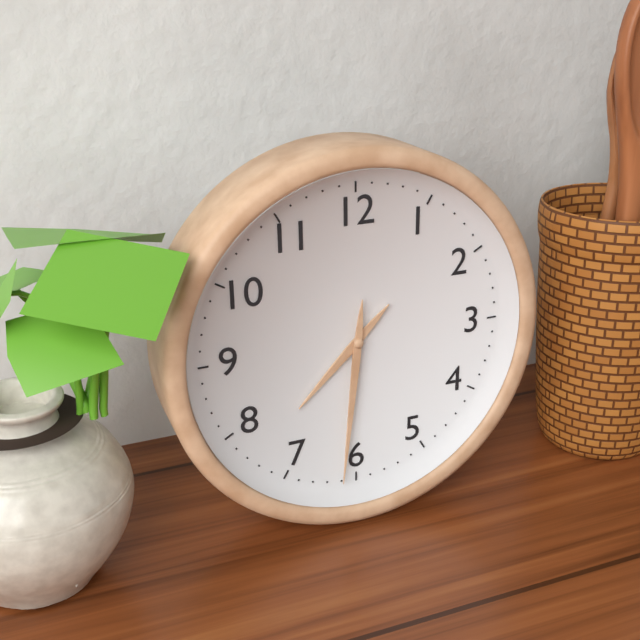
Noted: **7:31**
